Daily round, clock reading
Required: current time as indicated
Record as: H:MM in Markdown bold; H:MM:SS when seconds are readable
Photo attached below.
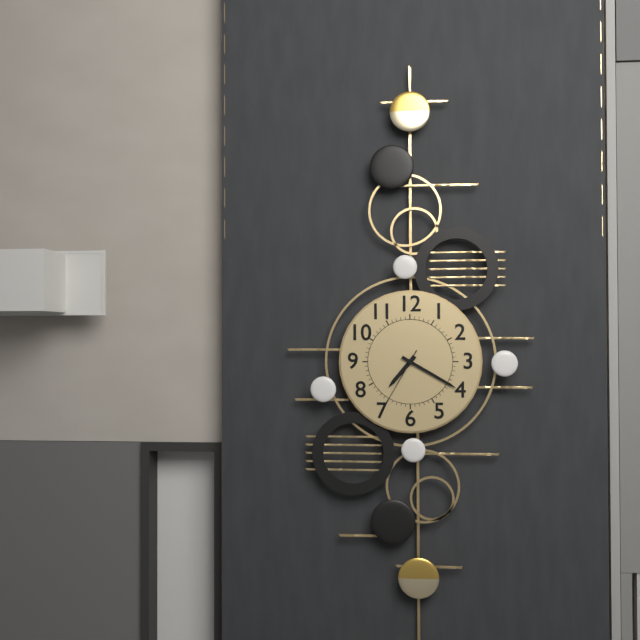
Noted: **7:20:35**
